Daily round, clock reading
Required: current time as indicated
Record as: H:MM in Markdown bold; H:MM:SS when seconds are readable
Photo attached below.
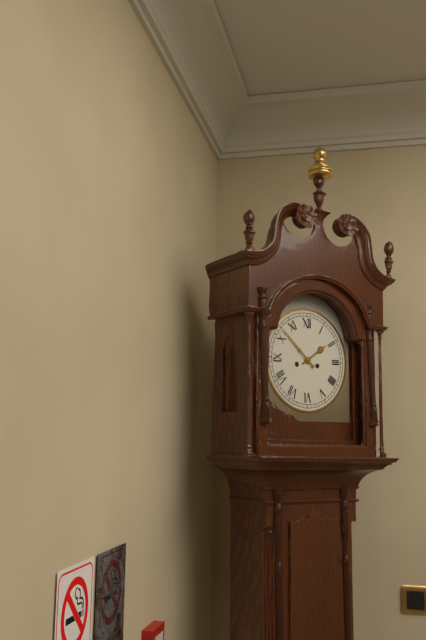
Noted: **1:52**
